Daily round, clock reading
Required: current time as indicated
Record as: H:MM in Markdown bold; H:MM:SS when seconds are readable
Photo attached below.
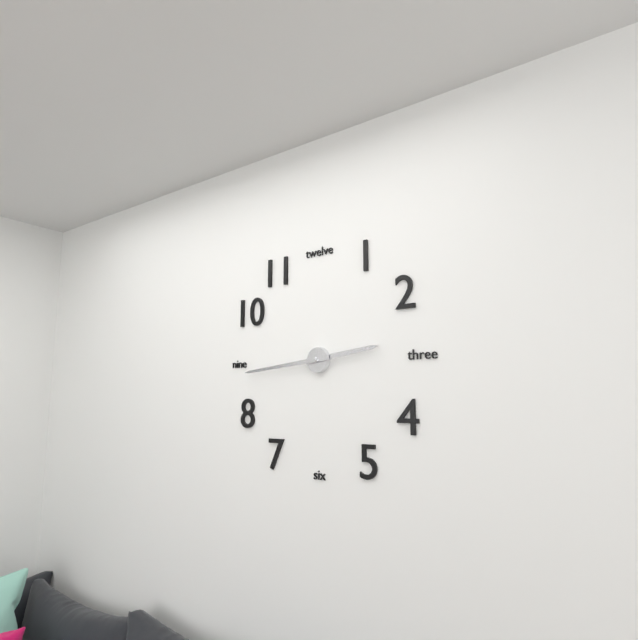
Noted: **2:44**
